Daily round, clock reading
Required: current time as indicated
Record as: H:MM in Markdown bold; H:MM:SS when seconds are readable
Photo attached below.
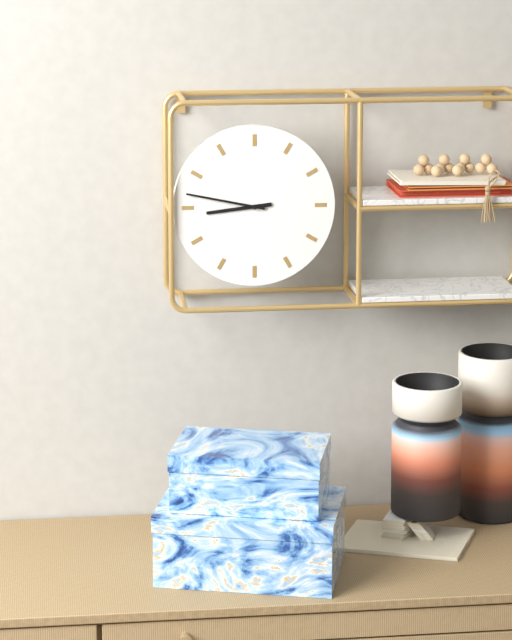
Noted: **8:47**
